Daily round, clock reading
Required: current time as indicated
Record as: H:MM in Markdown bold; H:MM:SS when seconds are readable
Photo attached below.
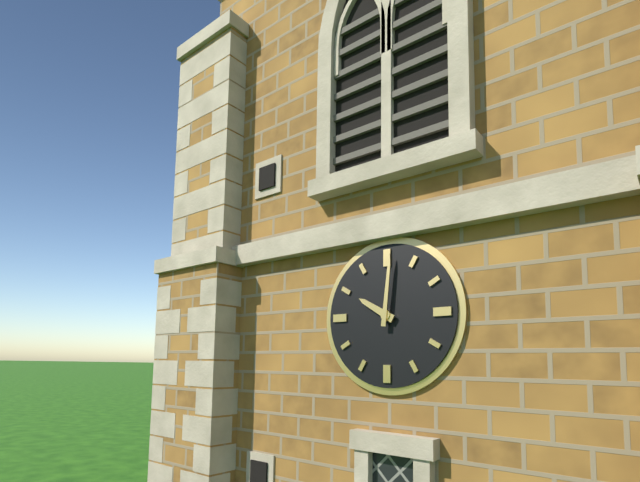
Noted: **10:01**
